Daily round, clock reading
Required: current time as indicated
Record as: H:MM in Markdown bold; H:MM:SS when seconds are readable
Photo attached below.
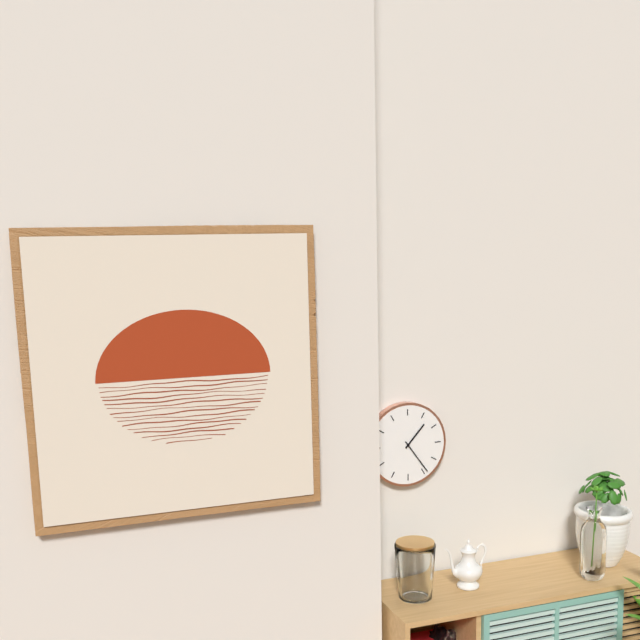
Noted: **1:24**
